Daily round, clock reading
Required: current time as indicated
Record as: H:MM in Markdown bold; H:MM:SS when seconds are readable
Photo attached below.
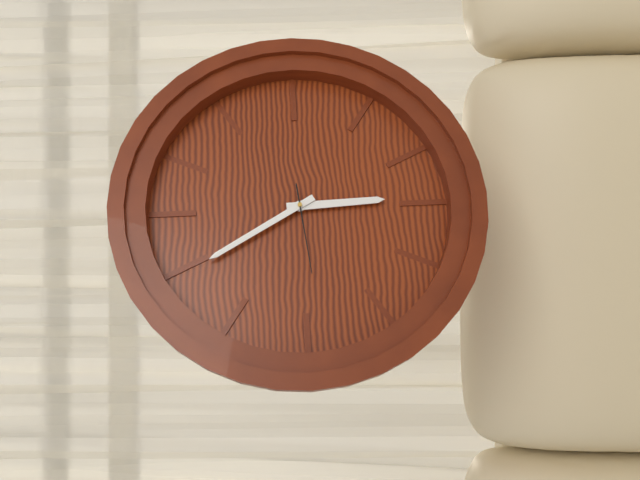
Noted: **5:55:44**
